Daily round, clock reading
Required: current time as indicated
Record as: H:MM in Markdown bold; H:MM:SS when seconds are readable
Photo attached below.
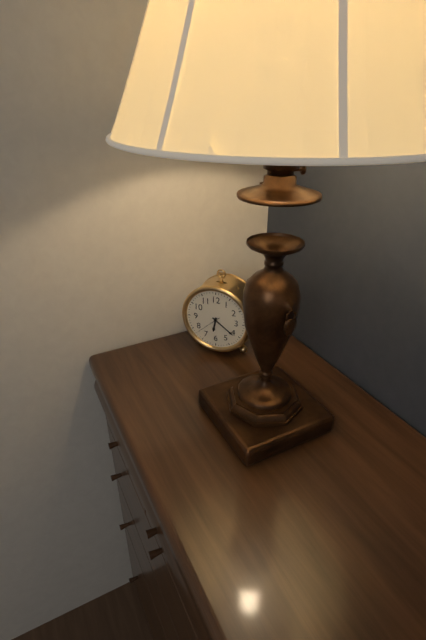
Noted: **6:21**
